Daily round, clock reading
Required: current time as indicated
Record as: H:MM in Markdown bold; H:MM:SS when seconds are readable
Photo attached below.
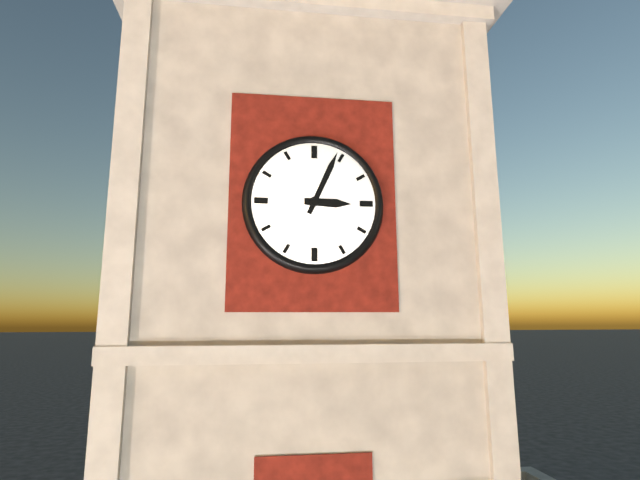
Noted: **3:04**
